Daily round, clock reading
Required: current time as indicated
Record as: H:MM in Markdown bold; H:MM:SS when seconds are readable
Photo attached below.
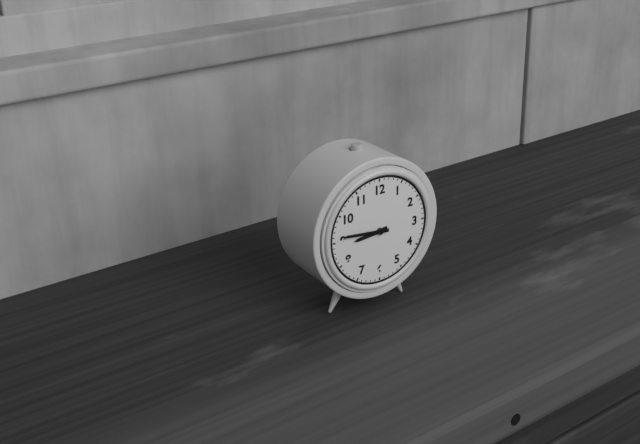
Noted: **8:46**
